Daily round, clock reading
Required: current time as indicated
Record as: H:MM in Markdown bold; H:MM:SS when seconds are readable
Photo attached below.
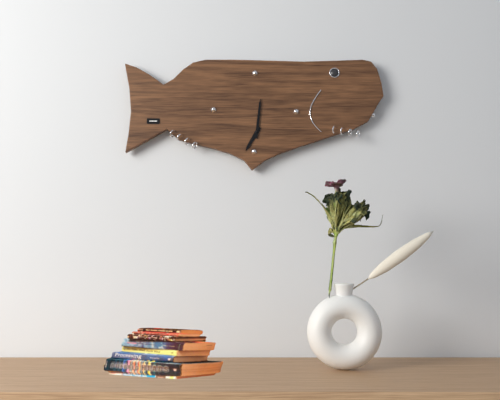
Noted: **7:01**
